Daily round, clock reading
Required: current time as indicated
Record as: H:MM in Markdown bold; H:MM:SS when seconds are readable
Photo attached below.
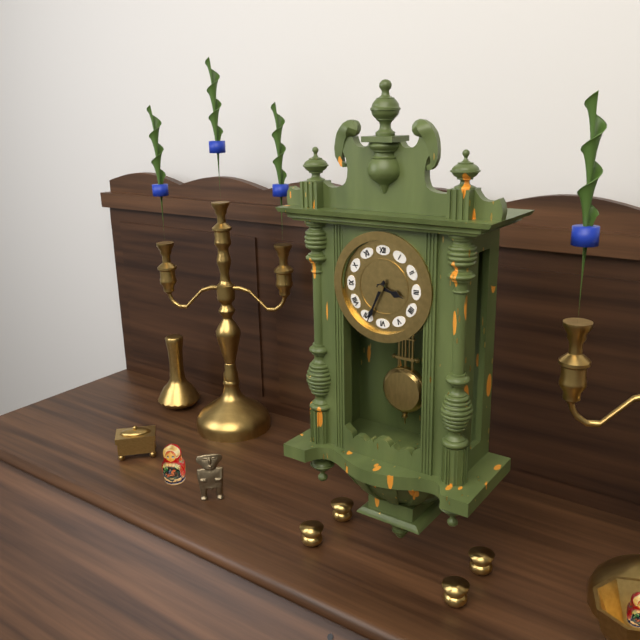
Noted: **3:34**
